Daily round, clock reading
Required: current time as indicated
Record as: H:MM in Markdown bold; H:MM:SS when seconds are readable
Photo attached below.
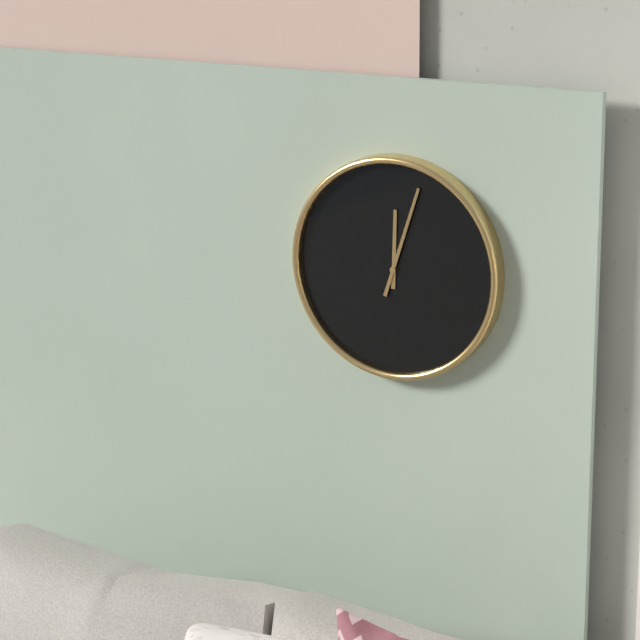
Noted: **12:03**
